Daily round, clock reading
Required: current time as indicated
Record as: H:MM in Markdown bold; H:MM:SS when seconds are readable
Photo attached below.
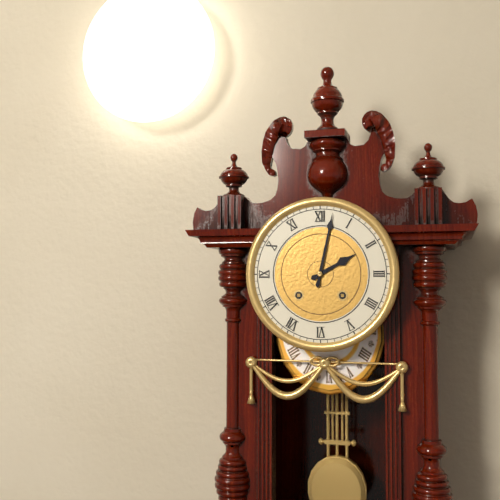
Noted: **2:02**
